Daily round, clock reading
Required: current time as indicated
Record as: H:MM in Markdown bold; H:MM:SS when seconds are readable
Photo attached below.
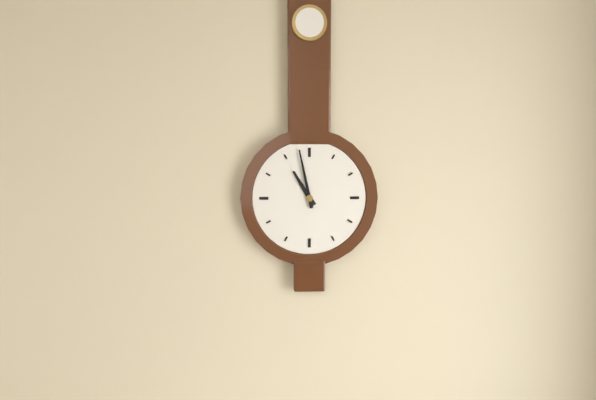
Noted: **10:58**
